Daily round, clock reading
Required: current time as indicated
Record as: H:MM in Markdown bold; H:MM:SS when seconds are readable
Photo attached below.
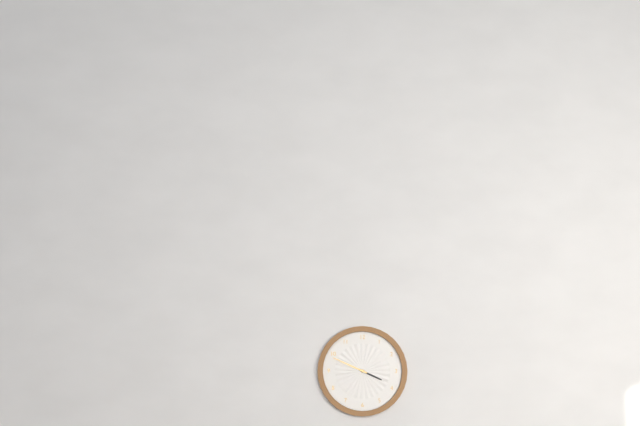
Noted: **3:49**
